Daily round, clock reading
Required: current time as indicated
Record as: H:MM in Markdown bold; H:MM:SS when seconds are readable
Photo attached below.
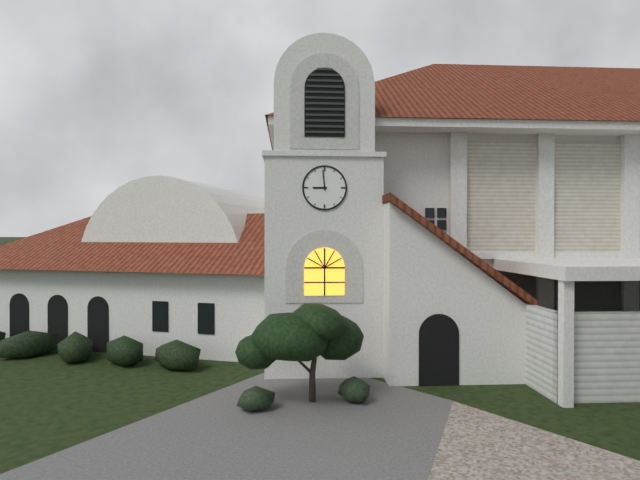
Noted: **8:59**
